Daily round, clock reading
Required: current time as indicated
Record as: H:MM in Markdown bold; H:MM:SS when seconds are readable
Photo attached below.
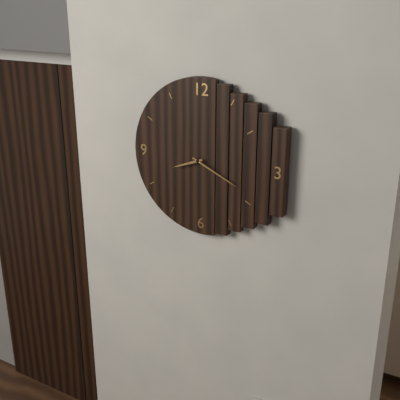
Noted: **8:19**
